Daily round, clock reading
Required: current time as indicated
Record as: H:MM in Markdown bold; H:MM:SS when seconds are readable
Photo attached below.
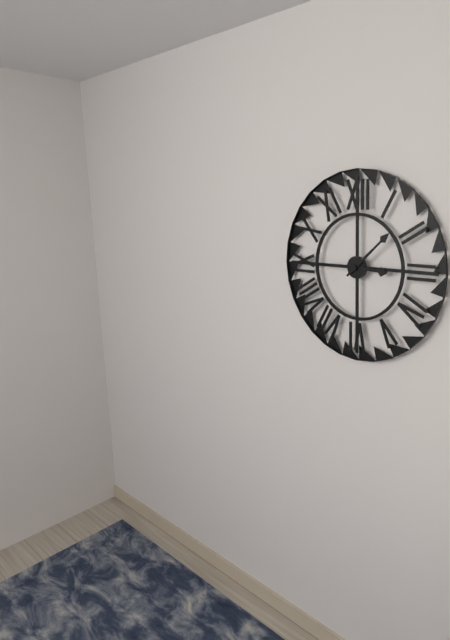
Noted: **3:08**
